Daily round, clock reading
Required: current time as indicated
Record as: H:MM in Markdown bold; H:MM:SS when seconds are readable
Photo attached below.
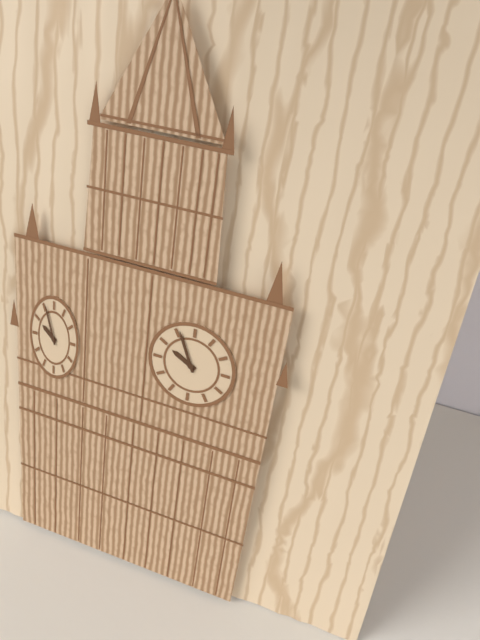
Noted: **9:56**
